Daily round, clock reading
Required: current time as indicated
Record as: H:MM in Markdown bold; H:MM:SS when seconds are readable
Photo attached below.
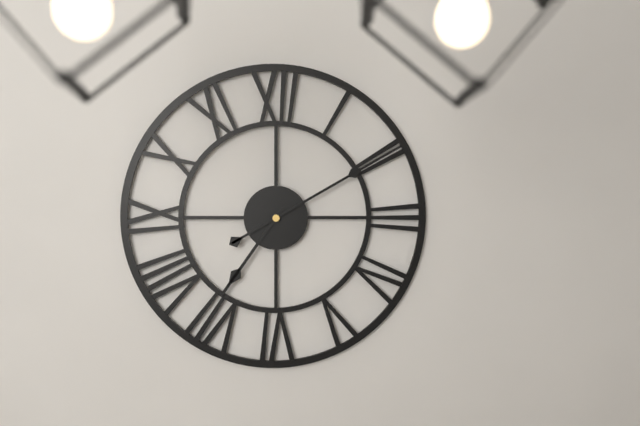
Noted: **7:10**
